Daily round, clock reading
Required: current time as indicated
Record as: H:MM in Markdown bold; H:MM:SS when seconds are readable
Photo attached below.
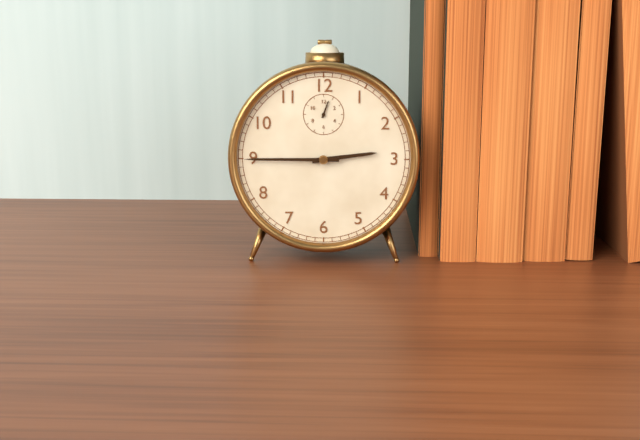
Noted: **2:45**
